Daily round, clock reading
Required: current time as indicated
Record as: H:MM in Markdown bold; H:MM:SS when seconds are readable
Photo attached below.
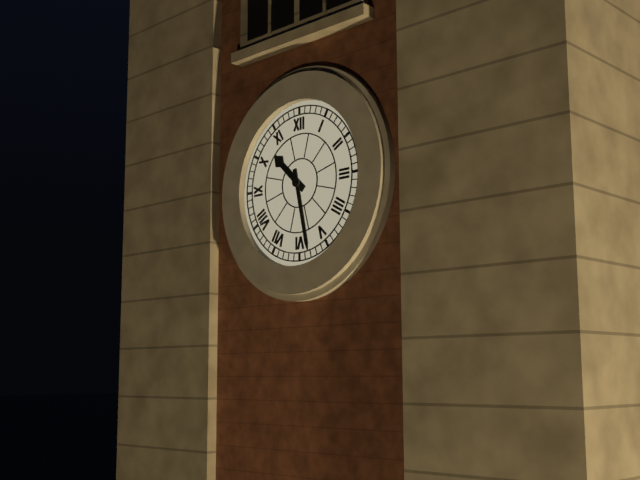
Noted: **10:28**
